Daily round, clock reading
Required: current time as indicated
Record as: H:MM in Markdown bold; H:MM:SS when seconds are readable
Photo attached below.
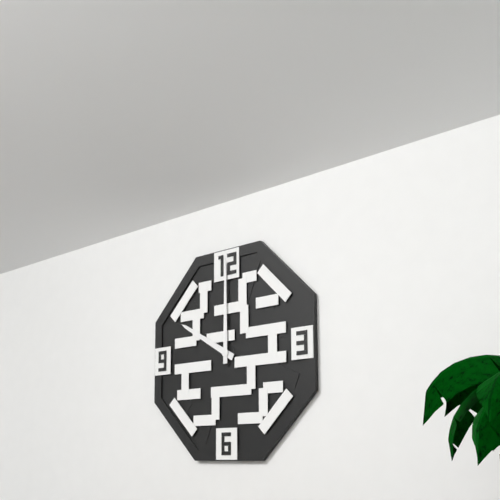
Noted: **10:00**
